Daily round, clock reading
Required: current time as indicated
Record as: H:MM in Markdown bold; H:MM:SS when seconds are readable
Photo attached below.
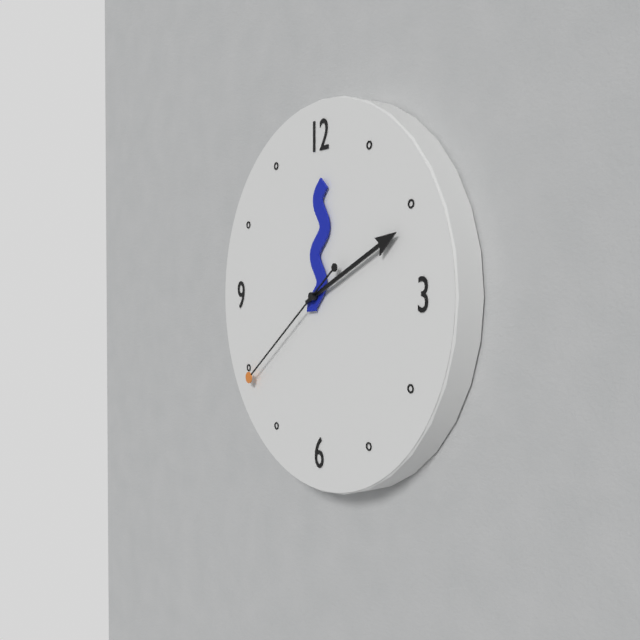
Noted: **12:11:39**
